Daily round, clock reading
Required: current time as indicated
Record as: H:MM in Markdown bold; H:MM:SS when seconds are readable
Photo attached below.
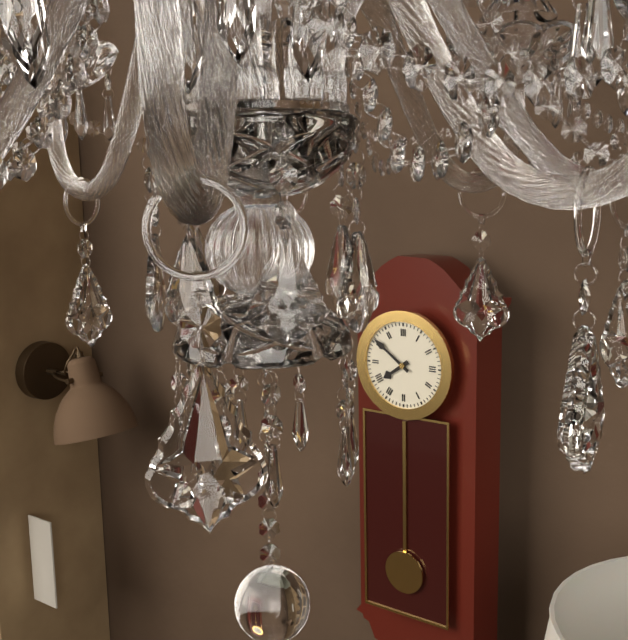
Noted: **7:51**
